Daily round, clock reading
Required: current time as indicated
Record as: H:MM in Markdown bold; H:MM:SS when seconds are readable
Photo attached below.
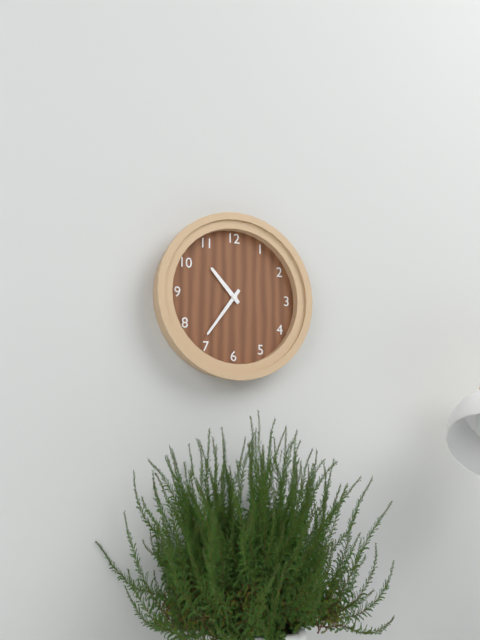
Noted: **10:36**
